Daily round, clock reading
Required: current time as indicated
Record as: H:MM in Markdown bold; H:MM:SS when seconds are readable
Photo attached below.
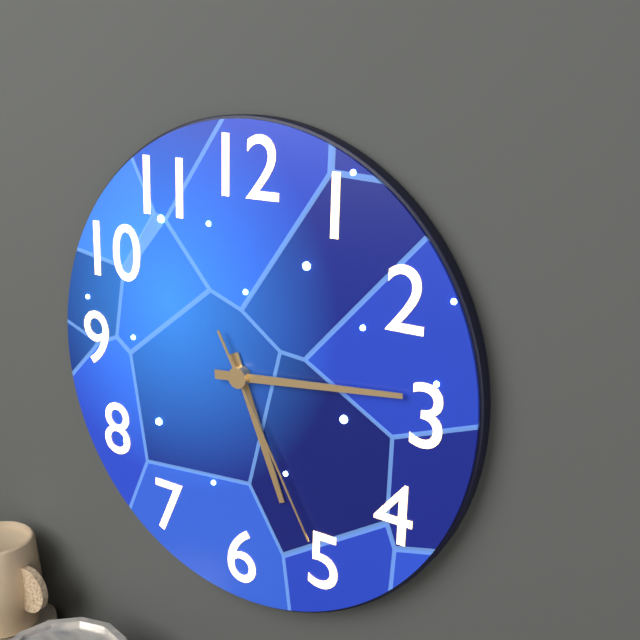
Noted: **5:14:25**
